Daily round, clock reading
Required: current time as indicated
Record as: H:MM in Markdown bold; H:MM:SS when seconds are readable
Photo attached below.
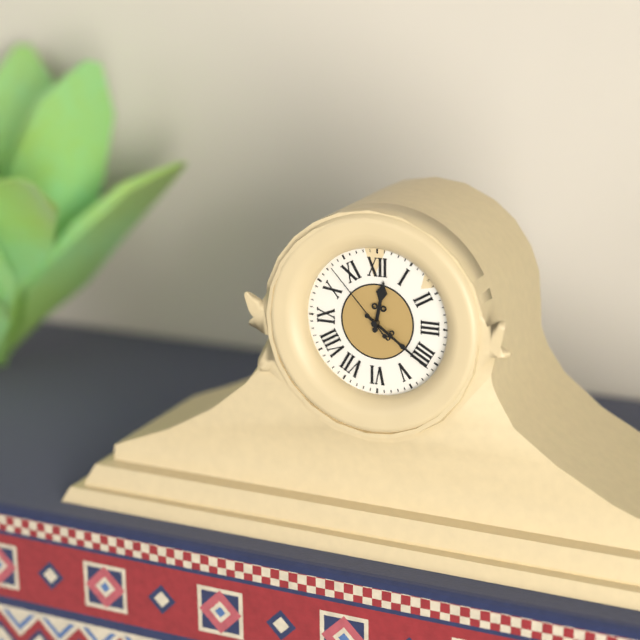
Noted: **12:21:53**
